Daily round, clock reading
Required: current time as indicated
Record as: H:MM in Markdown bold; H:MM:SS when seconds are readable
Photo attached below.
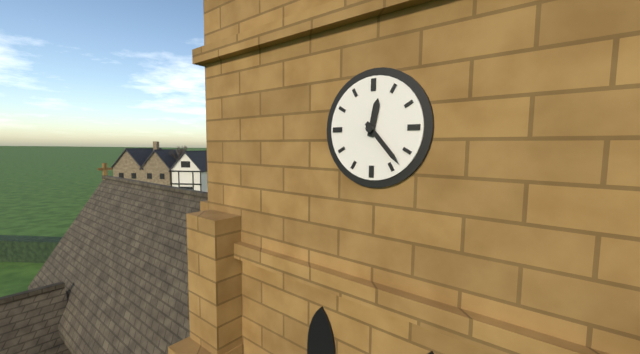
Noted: **12:23**
